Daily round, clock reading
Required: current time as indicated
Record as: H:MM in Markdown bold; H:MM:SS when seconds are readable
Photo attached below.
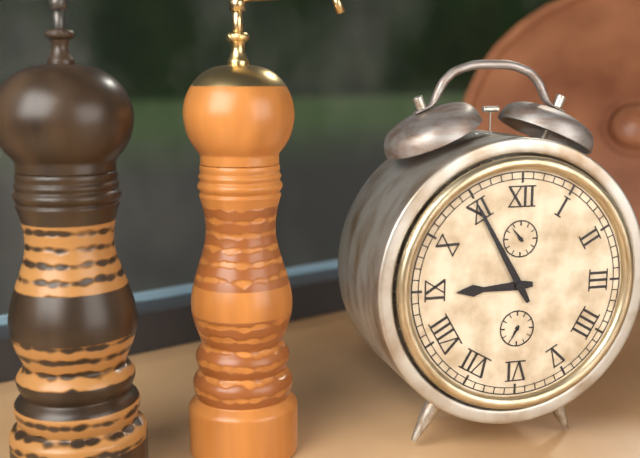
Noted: **8:55**
